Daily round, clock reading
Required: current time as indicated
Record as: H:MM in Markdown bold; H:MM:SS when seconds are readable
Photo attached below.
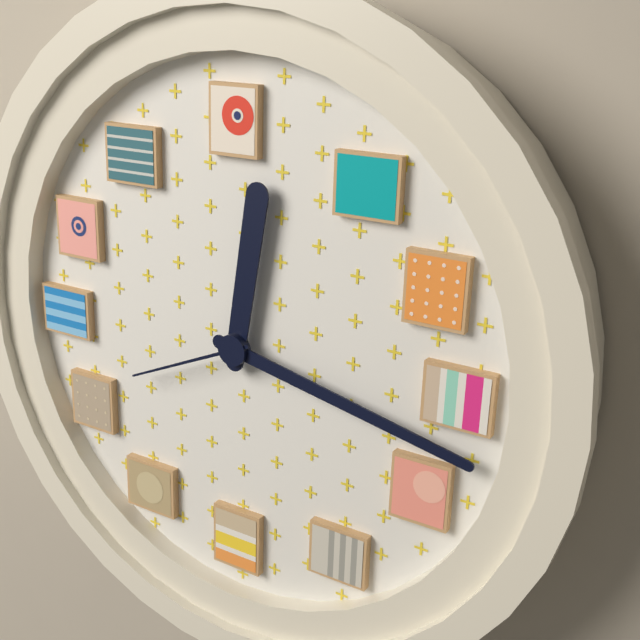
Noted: **12:17:41**
